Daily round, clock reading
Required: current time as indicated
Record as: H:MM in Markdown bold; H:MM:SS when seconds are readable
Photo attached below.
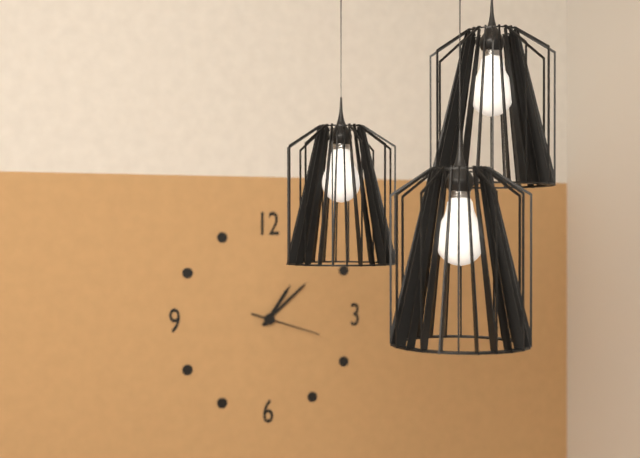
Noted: **1:08:18**
